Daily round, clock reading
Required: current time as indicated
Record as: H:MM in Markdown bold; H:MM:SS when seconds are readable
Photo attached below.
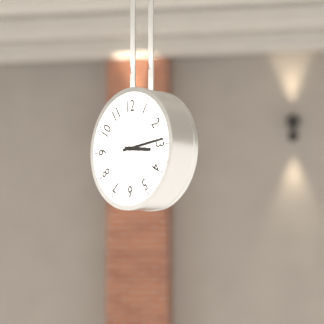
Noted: **3:14**
